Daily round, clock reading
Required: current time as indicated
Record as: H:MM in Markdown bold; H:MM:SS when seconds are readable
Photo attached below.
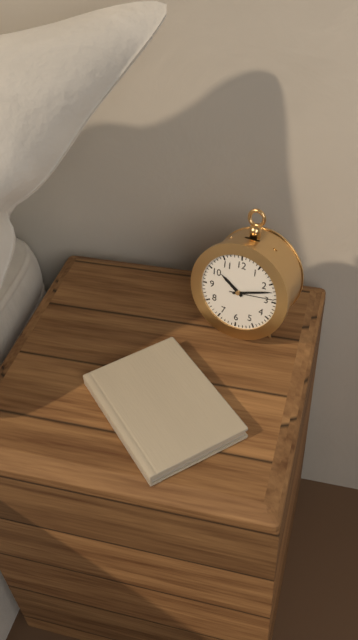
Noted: **10:12**
